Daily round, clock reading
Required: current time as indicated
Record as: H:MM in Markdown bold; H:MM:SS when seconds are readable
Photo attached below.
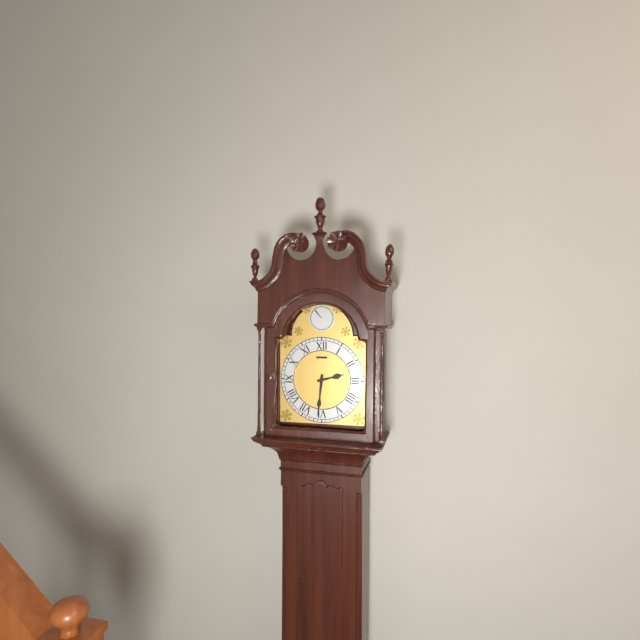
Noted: **2:31**
